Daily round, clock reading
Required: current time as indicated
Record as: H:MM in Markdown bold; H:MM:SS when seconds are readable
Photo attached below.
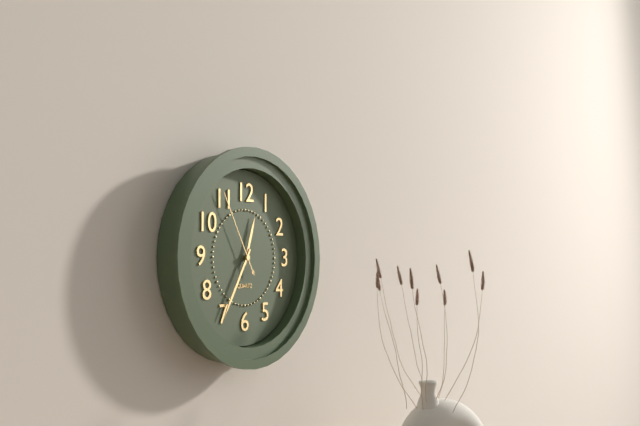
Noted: **12:35:55**
